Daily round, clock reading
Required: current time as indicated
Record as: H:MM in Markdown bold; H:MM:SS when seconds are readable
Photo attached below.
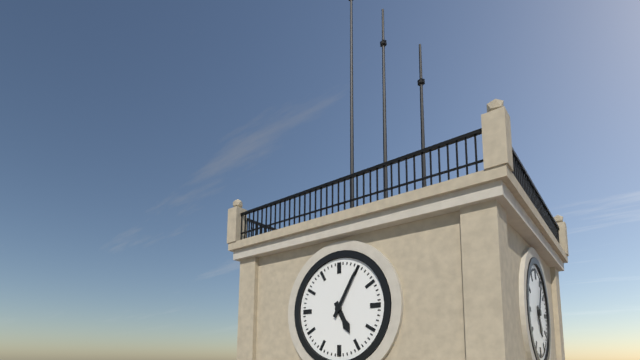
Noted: **5:05**
